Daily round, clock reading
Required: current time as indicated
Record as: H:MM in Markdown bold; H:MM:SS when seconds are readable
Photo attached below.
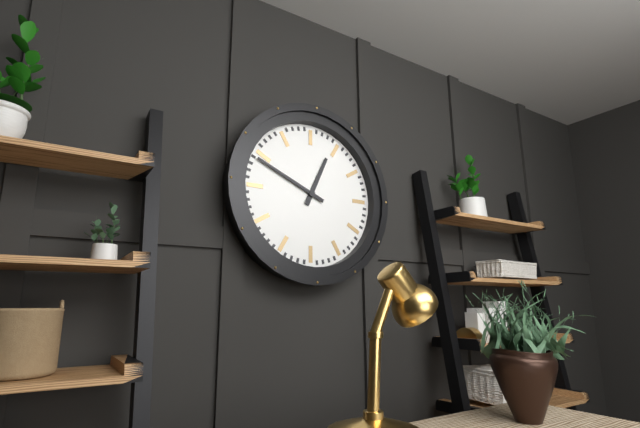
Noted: **12:49**
